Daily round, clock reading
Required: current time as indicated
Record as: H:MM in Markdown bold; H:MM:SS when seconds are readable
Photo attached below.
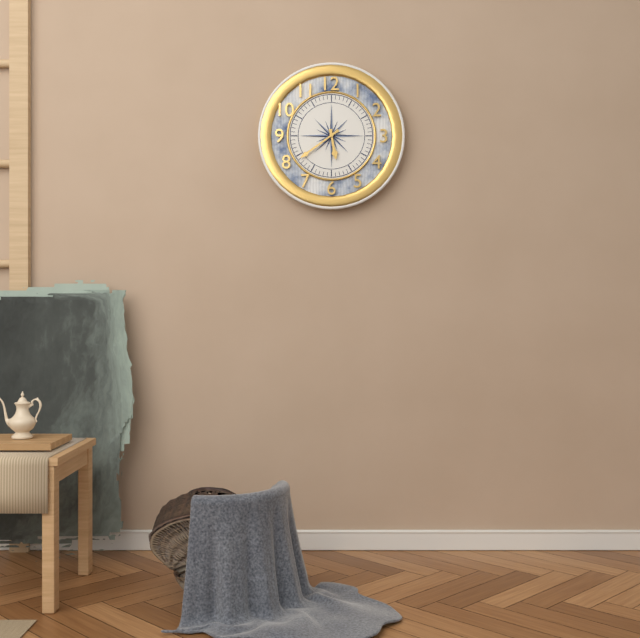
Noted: **5:39**
